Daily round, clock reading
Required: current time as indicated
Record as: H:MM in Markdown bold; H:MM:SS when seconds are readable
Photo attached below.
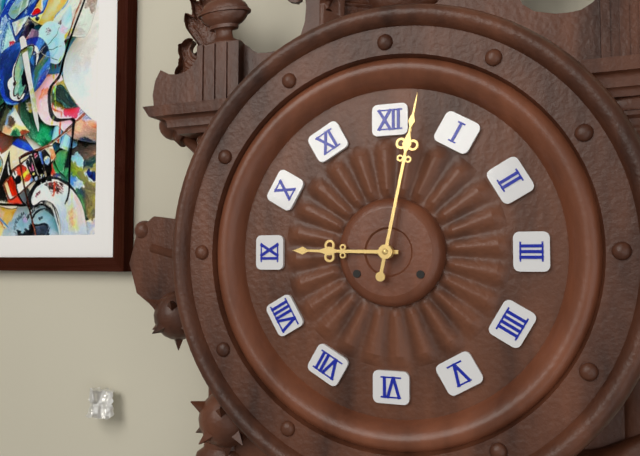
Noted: **9:02**
